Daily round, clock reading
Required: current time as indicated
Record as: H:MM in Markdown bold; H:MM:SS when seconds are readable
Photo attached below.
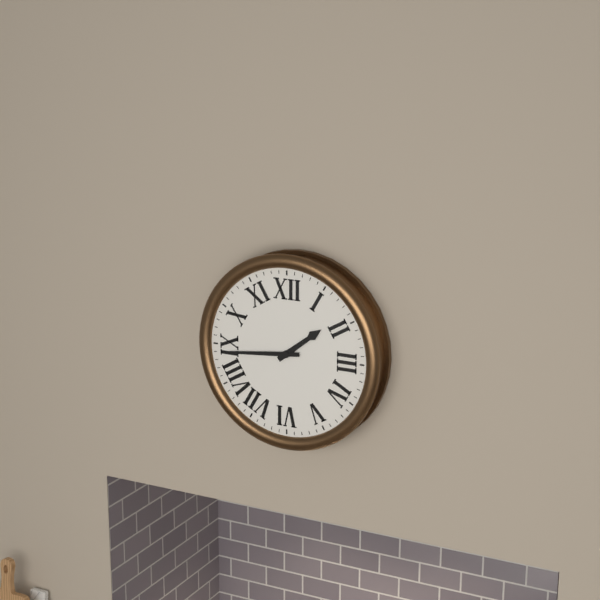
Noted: **1:44**
